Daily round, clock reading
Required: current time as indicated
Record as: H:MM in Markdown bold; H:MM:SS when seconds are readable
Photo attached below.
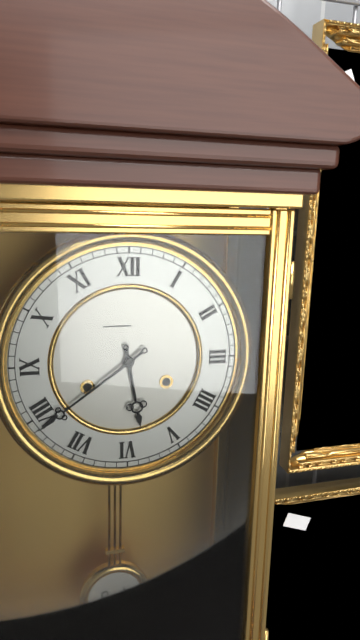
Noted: **5:39**
